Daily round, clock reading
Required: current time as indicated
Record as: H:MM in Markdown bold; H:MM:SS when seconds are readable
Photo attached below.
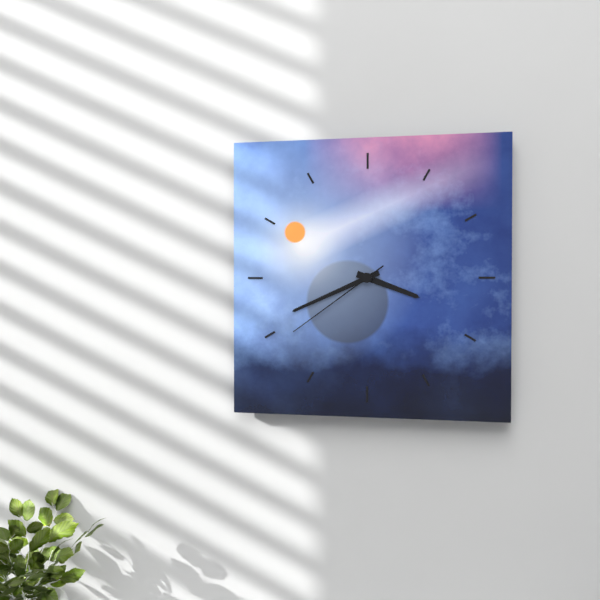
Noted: **3:41:39**
